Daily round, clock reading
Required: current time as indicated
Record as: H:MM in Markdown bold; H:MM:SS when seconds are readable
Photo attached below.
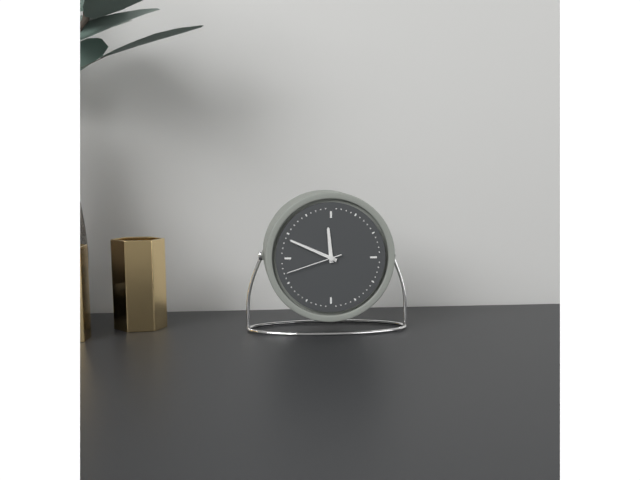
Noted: **11:49:42**
